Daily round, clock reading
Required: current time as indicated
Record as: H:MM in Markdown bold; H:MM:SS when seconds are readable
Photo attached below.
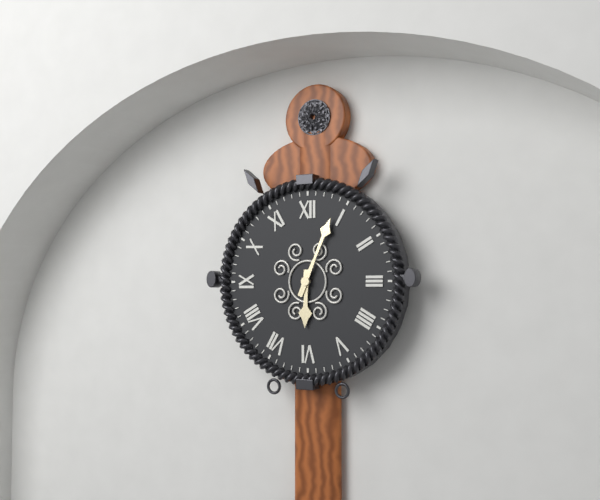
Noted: **6:04**
